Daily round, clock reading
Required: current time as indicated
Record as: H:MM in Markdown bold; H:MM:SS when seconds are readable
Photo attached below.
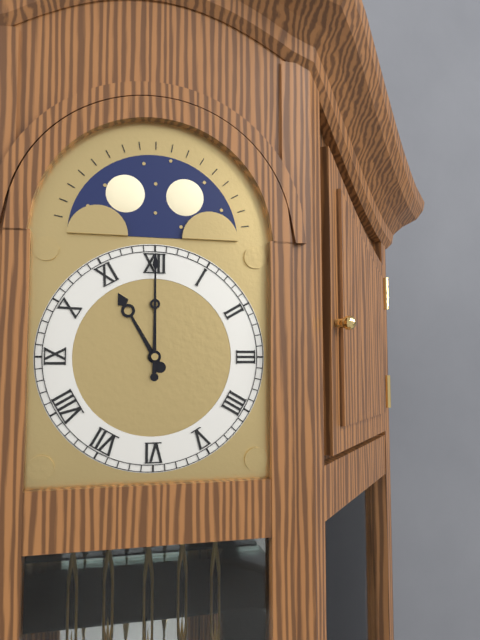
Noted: **11:00**
